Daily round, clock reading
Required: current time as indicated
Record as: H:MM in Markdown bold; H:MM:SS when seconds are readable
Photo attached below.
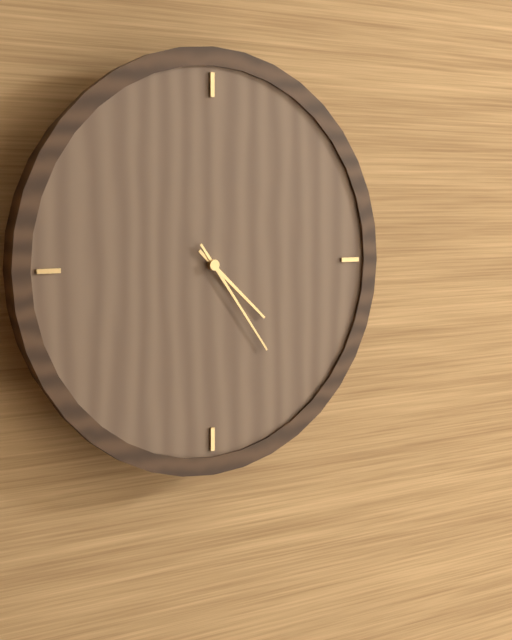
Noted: **4:24**
